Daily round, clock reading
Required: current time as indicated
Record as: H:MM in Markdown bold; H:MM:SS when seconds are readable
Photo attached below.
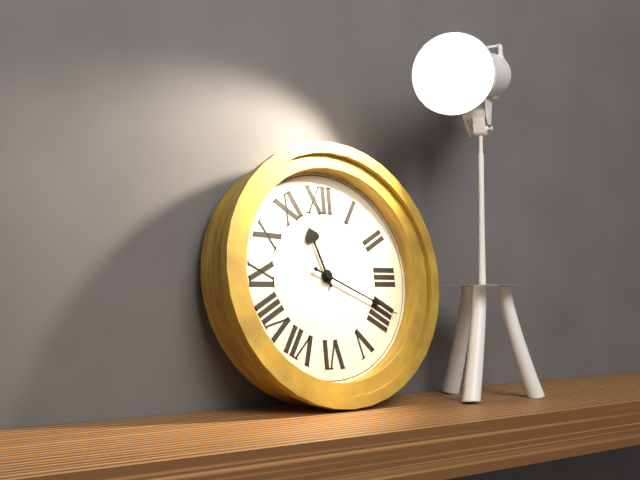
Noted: **11:19**
